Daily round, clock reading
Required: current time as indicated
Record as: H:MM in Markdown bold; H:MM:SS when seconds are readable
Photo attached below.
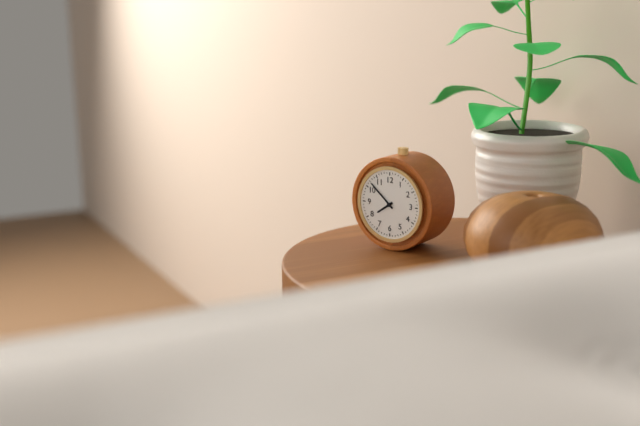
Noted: **7:52**
